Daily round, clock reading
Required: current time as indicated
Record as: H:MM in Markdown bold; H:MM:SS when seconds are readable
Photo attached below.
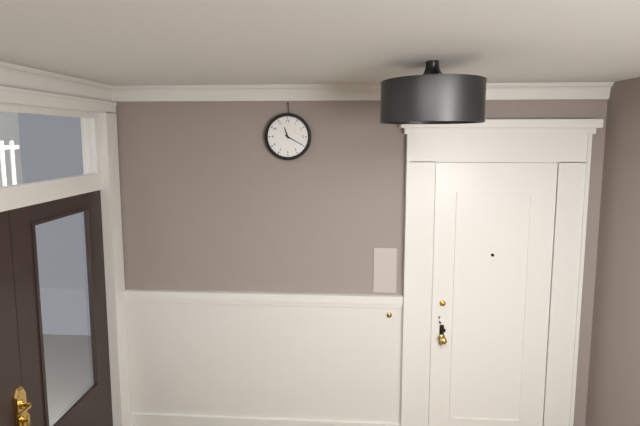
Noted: **11:20**
